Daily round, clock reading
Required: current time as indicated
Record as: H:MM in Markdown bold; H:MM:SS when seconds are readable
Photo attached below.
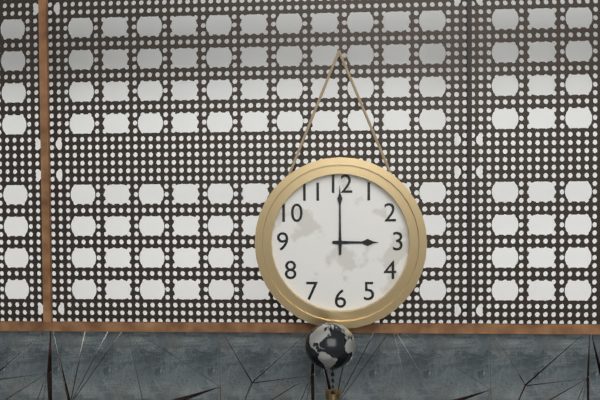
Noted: **3:00**
